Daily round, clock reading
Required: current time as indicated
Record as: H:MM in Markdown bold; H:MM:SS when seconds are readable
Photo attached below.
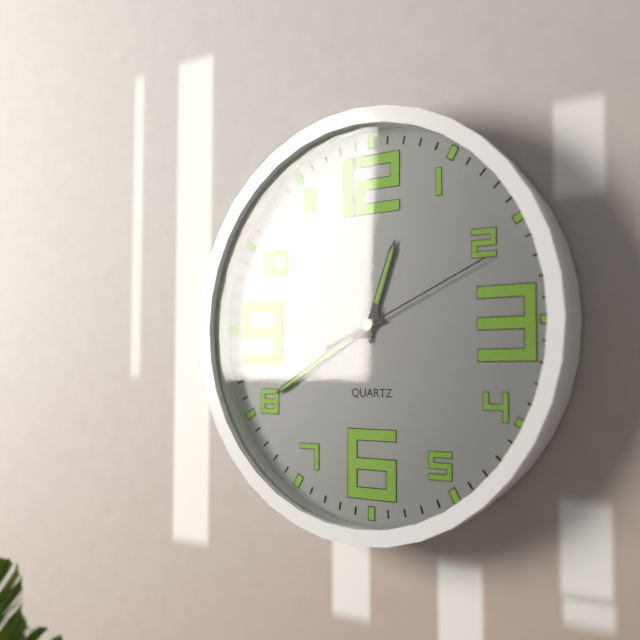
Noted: **12:40:11**
